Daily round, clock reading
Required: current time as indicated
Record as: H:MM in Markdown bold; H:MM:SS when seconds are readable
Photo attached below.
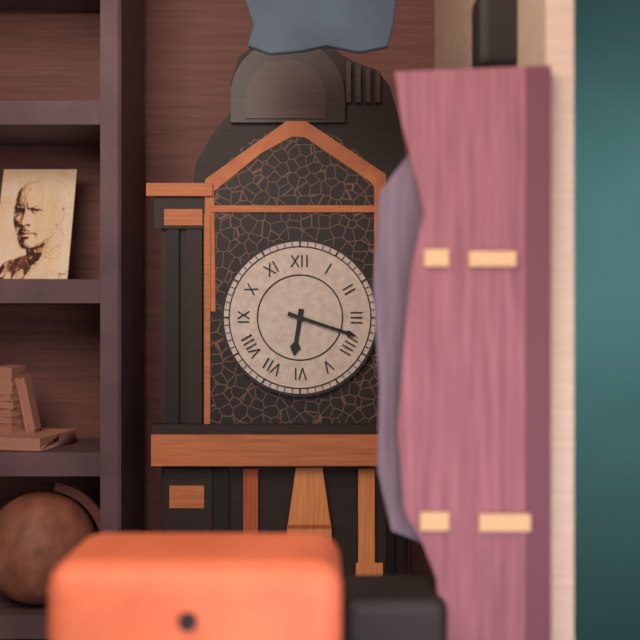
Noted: **6:18**
